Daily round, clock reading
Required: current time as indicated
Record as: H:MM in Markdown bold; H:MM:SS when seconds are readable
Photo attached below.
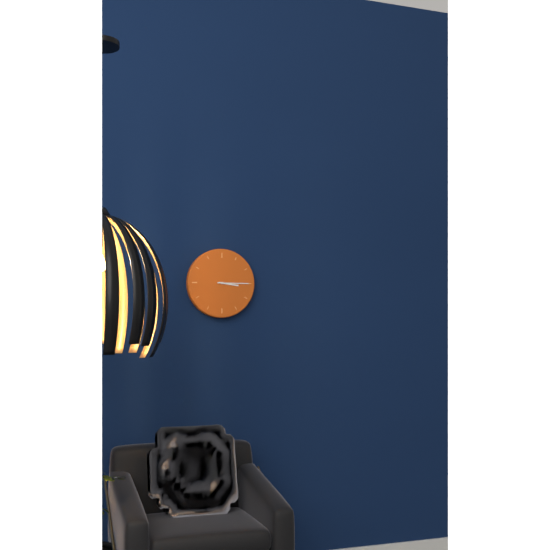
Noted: **3:15**
